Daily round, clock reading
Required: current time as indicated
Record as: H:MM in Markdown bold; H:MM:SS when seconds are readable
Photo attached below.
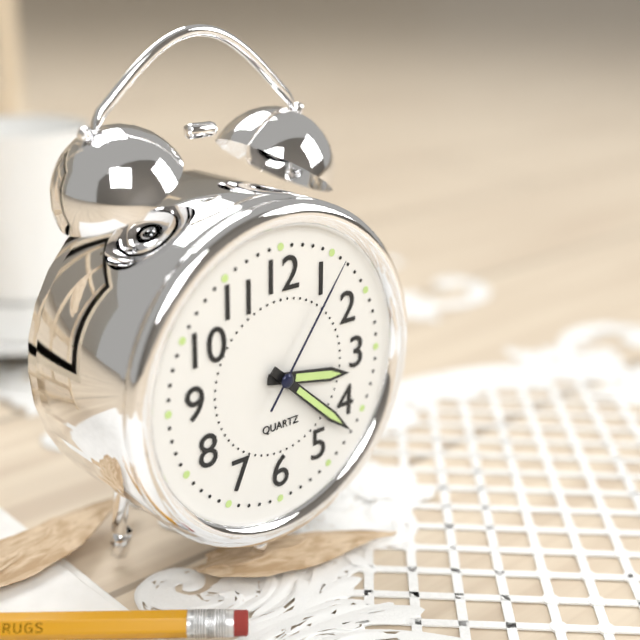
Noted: **3:22:06**
